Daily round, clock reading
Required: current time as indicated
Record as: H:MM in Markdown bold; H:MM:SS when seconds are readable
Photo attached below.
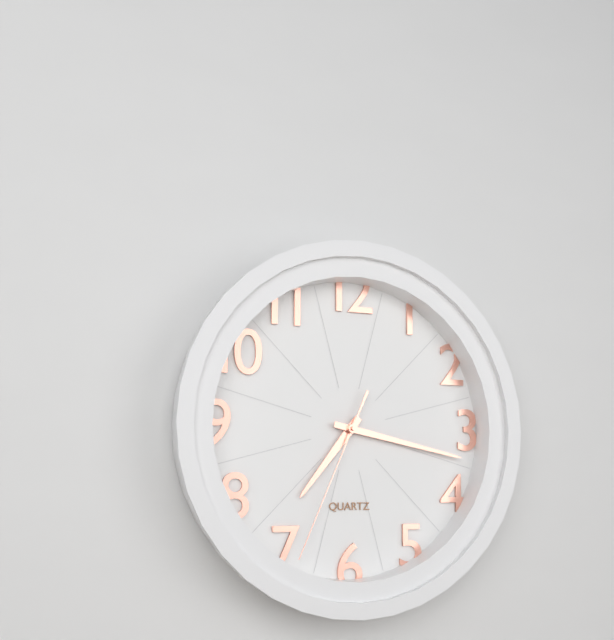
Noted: **7:17:34**
